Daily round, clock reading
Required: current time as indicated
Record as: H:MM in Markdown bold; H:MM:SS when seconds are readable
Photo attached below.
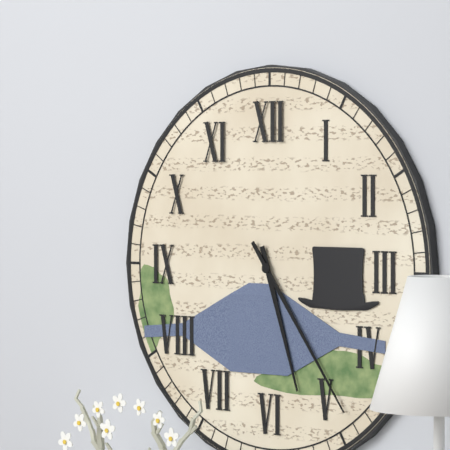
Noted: **5:24**
